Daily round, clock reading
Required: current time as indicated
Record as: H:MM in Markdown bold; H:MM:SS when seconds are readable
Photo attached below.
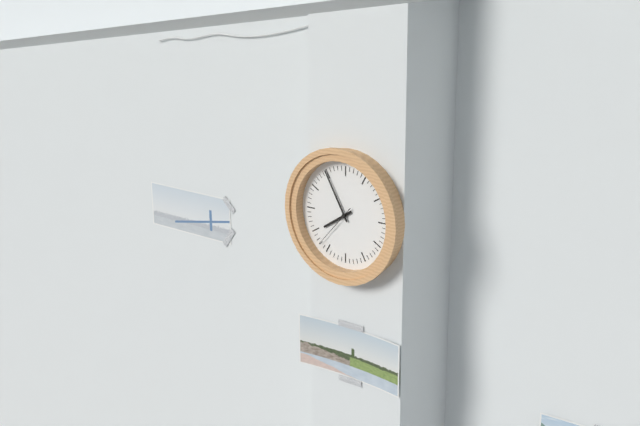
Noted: **7:55**
